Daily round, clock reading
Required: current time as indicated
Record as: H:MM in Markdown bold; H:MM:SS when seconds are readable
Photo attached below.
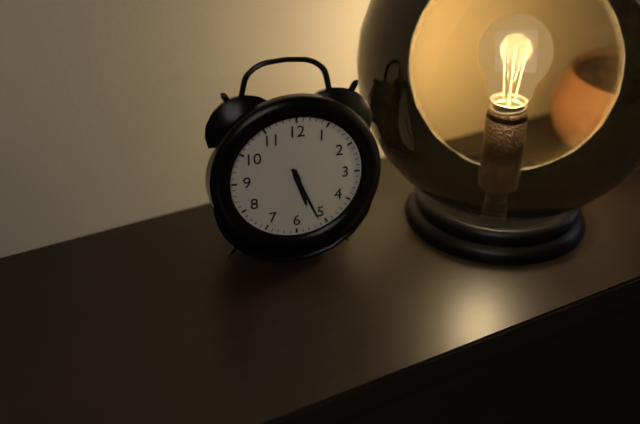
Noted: **5:26**
